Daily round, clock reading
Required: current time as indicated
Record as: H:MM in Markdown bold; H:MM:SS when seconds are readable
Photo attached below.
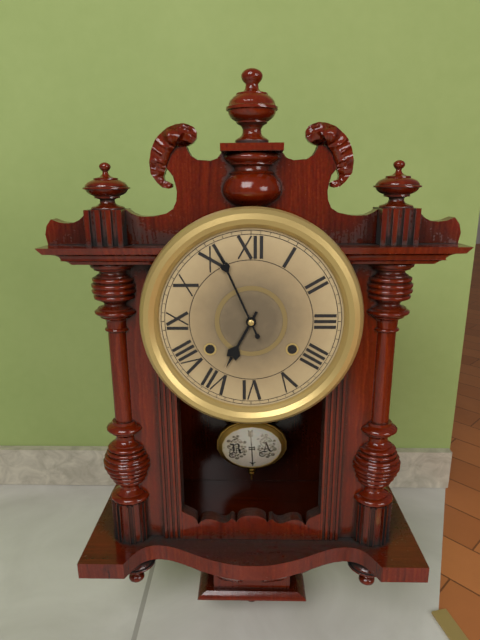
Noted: **6:56**
